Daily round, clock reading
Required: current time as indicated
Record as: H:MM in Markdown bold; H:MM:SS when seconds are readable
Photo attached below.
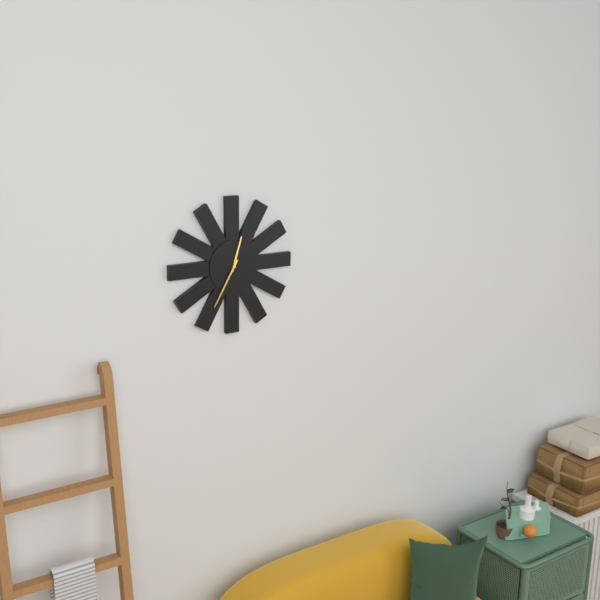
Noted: **12:35**
